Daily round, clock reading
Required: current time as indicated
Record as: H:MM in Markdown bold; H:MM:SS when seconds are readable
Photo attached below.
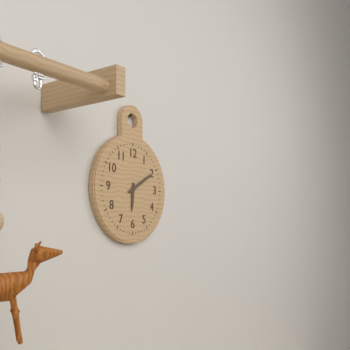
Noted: **6:10**
